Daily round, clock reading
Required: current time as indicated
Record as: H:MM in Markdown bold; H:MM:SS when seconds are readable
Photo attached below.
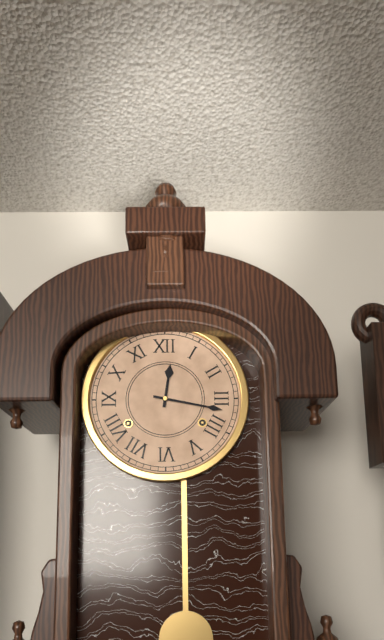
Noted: **12:17**
